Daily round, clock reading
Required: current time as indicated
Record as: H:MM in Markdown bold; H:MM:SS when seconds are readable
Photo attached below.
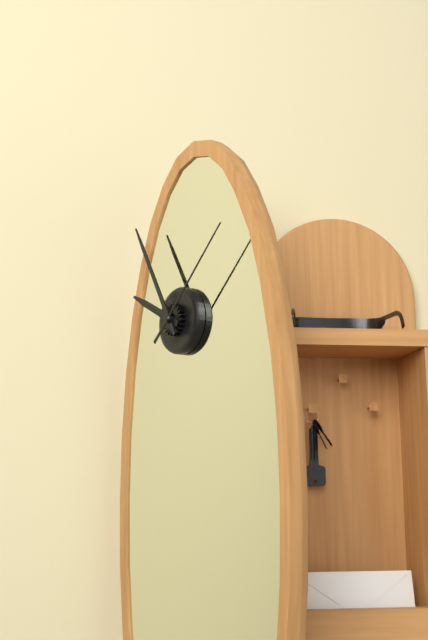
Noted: **9:55:08**
